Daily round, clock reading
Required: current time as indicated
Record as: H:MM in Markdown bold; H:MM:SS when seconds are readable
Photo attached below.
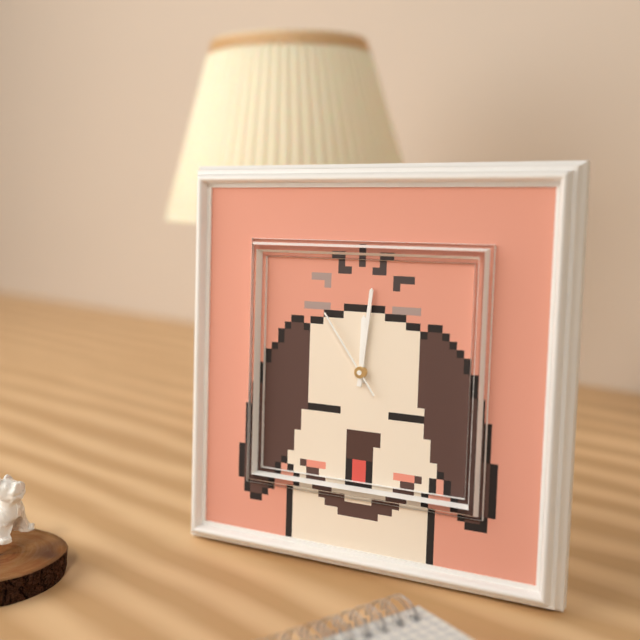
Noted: **12:01:54**
